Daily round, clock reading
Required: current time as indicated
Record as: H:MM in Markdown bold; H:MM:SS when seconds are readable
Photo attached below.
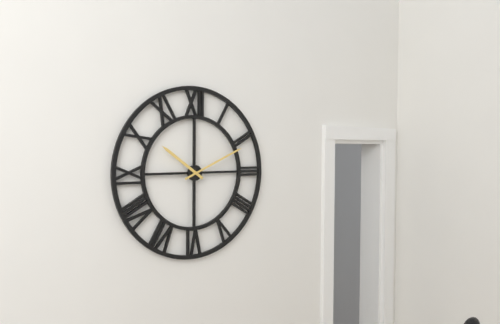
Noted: **10:11**
